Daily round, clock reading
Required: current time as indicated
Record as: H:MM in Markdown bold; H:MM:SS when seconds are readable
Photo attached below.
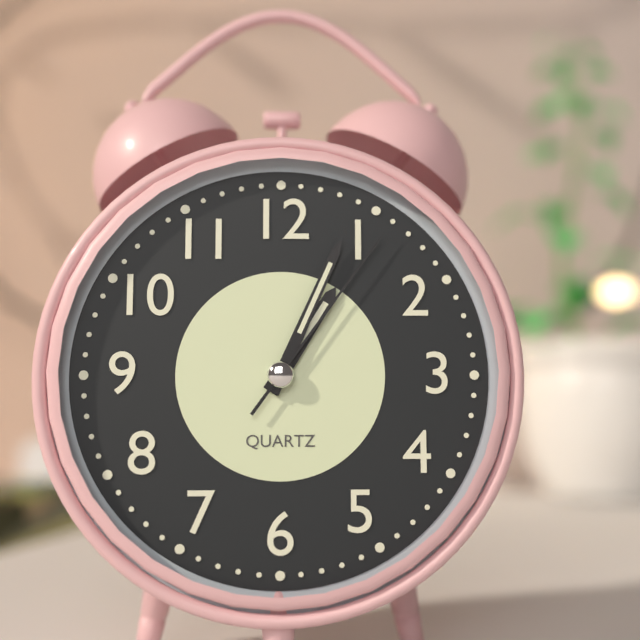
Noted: **1:04:06**
